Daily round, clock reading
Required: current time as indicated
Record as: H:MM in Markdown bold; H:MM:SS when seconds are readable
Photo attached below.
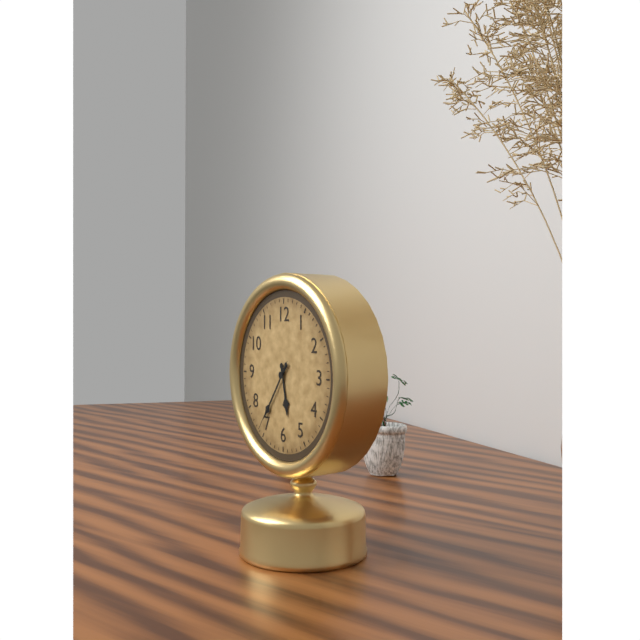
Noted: **5:36:36**
